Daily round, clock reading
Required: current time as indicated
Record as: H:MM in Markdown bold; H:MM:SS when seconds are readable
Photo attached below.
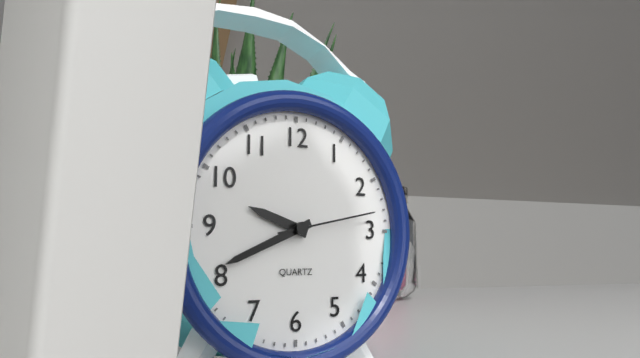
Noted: **9:41:13**
